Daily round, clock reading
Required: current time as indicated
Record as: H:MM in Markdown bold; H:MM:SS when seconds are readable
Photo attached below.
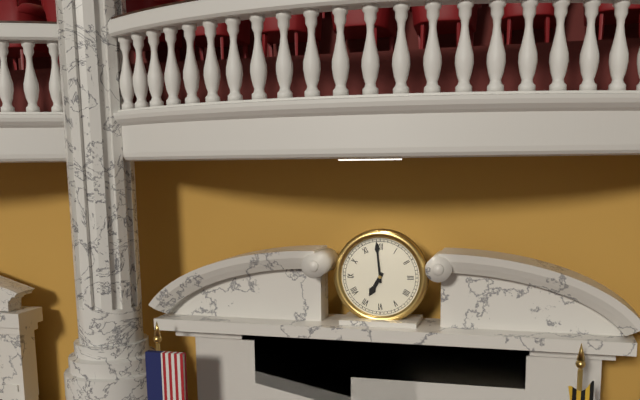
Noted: **6:59**
